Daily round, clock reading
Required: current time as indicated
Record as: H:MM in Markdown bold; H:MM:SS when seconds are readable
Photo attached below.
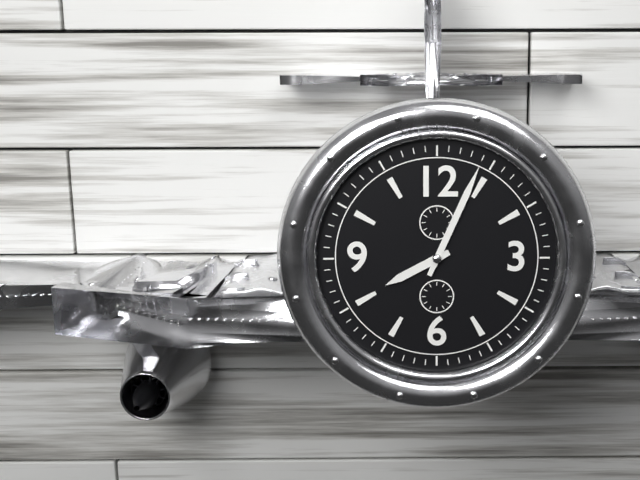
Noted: **8:04**
